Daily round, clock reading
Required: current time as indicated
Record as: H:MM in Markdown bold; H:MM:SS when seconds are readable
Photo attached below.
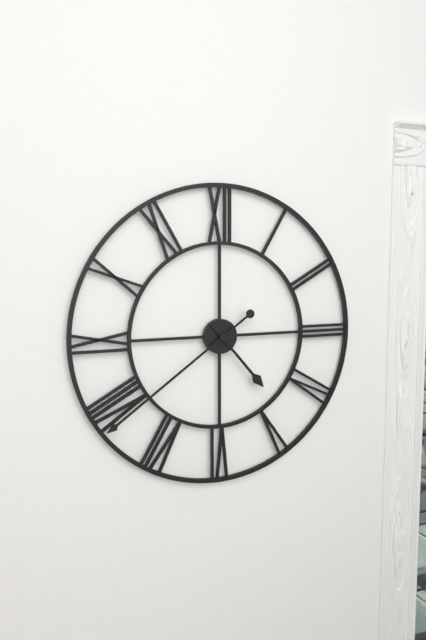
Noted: **4:39**
